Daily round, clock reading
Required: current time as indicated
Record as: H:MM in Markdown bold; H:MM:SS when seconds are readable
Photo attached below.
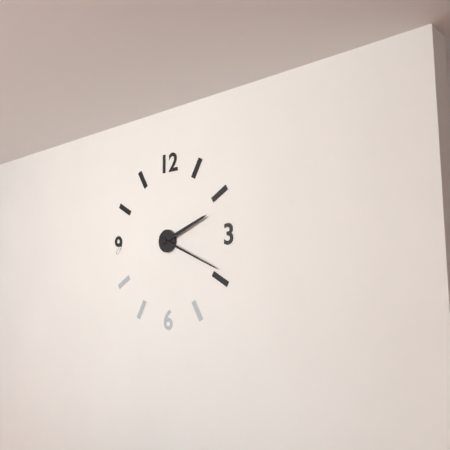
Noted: **2:19**
